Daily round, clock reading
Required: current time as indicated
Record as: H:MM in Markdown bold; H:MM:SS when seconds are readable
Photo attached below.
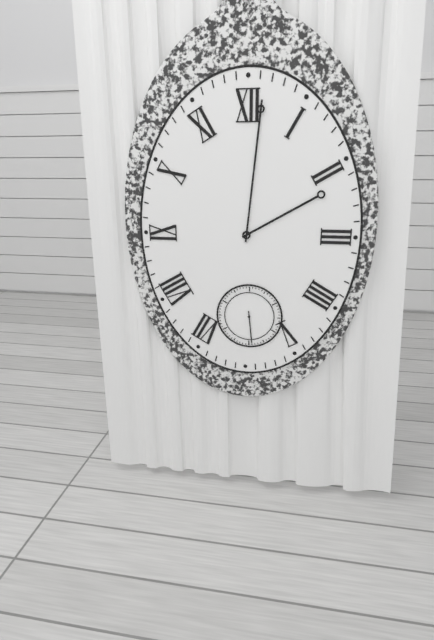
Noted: **2:01**
